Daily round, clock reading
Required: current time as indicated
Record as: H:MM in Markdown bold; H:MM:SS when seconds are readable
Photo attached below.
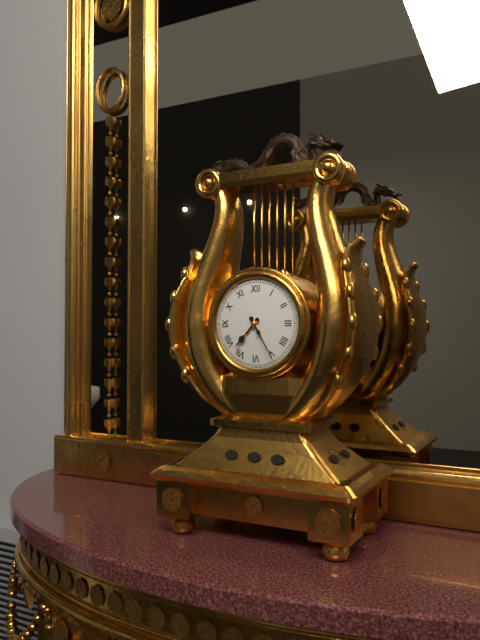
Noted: **7:25**
